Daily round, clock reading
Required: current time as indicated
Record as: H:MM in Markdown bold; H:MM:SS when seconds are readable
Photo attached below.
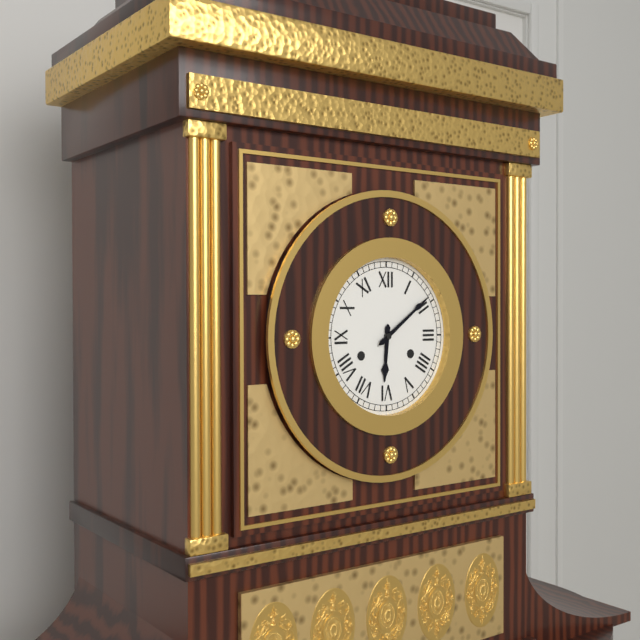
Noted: **6:09**
